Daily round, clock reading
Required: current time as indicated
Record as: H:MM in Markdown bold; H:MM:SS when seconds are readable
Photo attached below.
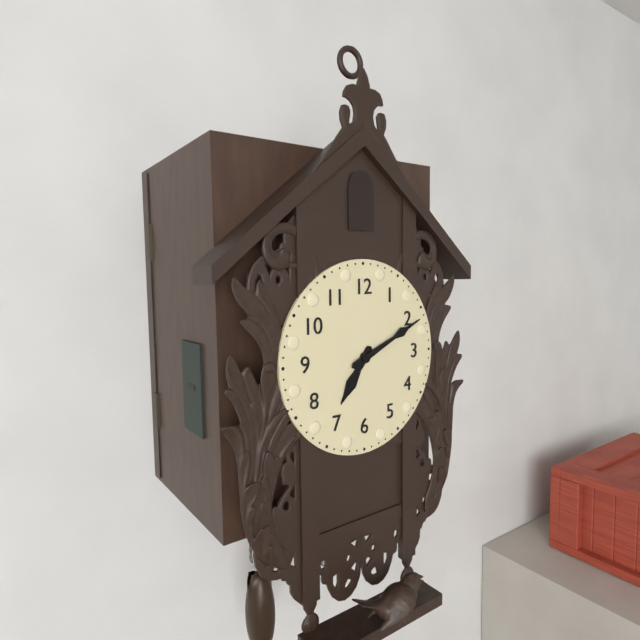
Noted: **7:11**
